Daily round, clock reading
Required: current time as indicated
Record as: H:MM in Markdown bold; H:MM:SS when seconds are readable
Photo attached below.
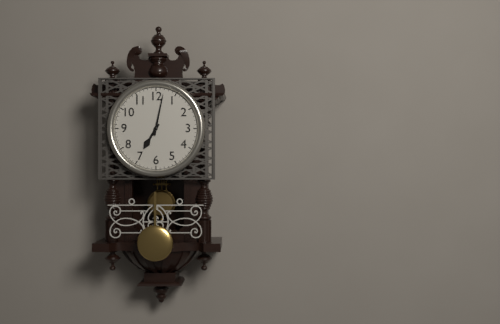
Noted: **7:02**
